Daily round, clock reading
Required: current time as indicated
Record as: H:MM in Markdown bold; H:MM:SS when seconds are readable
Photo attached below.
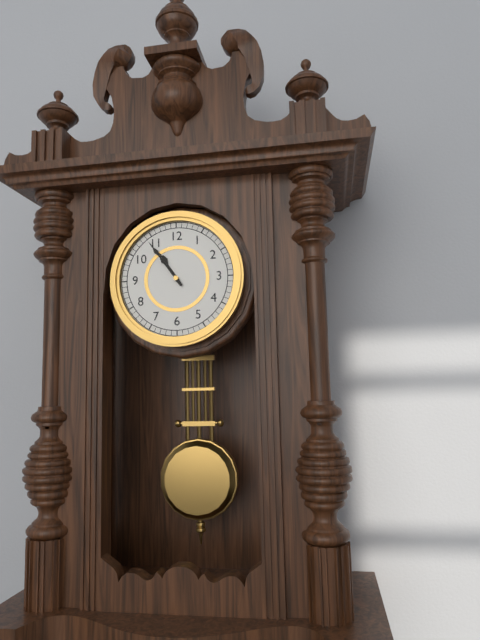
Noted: **10:54**
